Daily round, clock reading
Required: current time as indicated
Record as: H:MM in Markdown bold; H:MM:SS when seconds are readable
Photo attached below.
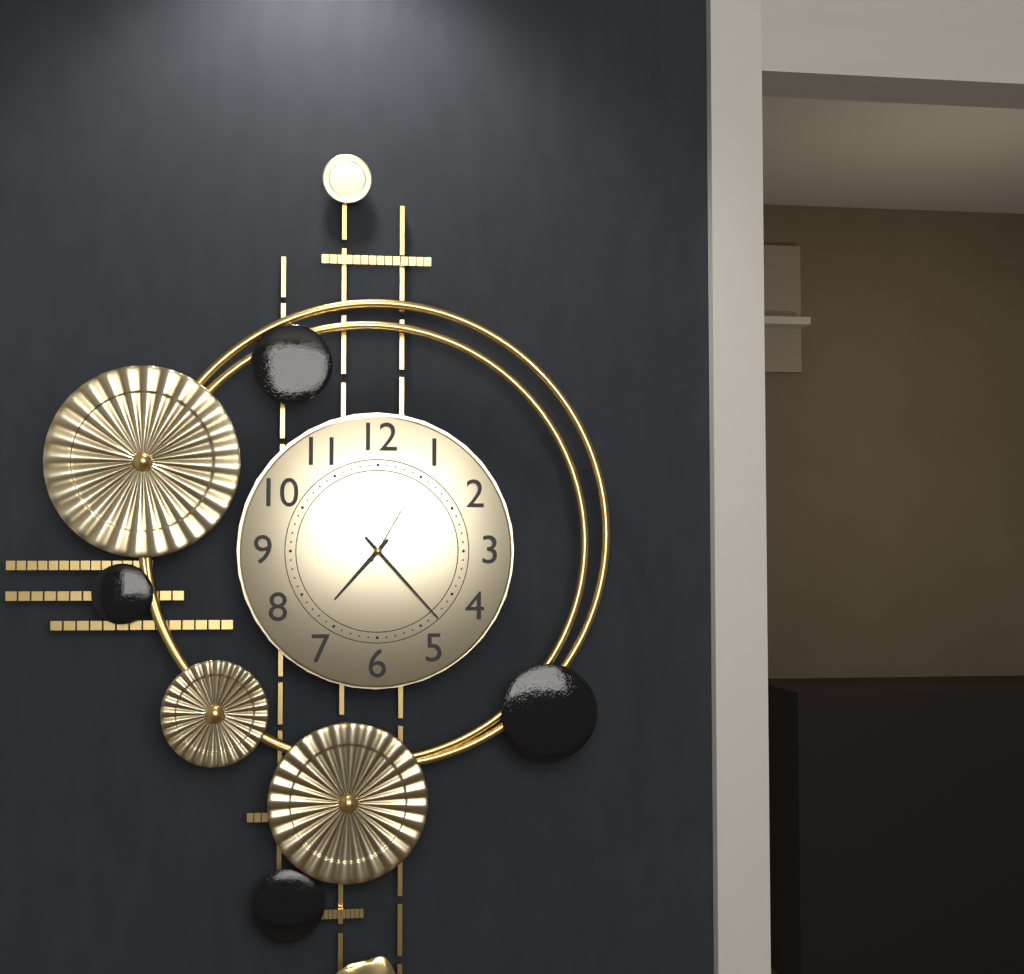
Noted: **7:23:05**
